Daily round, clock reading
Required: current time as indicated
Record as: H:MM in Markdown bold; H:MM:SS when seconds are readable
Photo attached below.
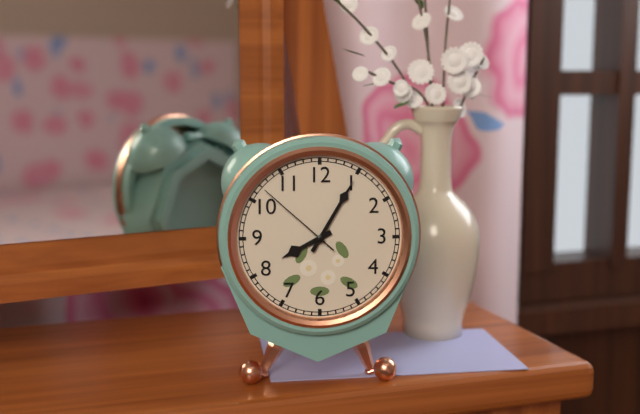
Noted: **8:05:52**
